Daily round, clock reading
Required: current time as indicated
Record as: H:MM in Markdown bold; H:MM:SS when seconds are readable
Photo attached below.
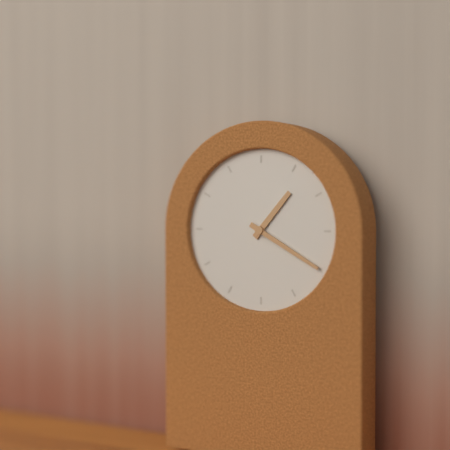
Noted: **1:20**
